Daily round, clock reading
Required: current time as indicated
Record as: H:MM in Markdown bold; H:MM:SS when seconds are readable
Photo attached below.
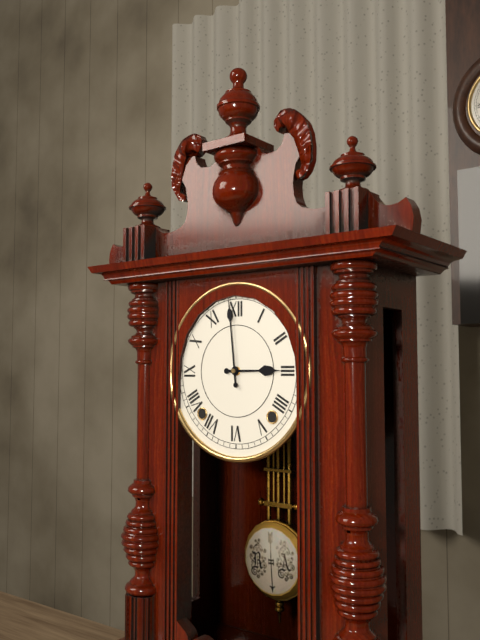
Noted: **2:59**
